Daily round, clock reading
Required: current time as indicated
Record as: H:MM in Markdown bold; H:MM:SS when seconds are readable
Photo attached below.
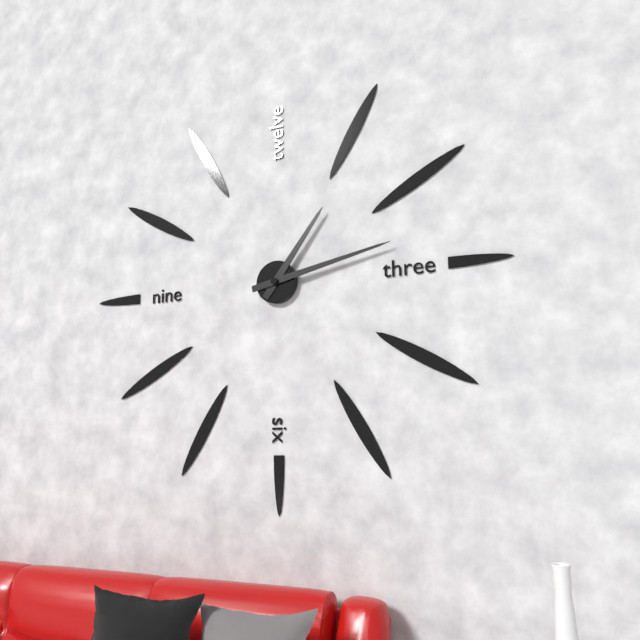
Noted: **1:13**
